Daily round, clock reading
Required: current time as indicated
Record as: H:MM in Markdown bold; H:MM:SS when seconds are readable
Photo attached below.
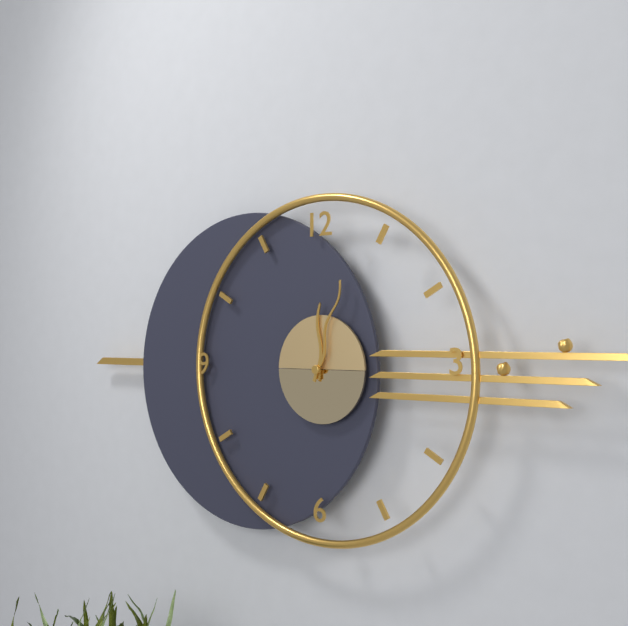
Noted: **12:03**
